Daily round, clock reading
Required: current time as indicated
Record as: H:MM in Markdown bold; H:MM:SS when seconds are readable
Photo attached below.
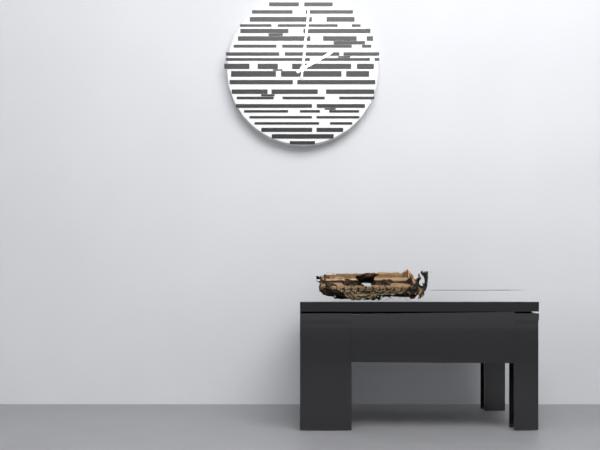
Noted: **2:01**
